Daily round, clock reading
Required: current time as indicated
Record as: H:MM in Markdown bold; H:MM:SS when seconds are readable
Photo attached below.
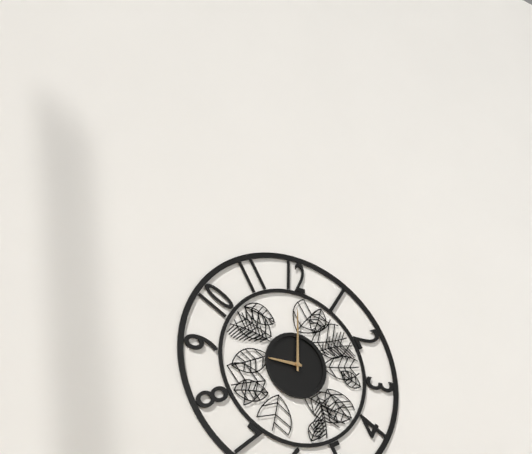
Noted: **9:00**
